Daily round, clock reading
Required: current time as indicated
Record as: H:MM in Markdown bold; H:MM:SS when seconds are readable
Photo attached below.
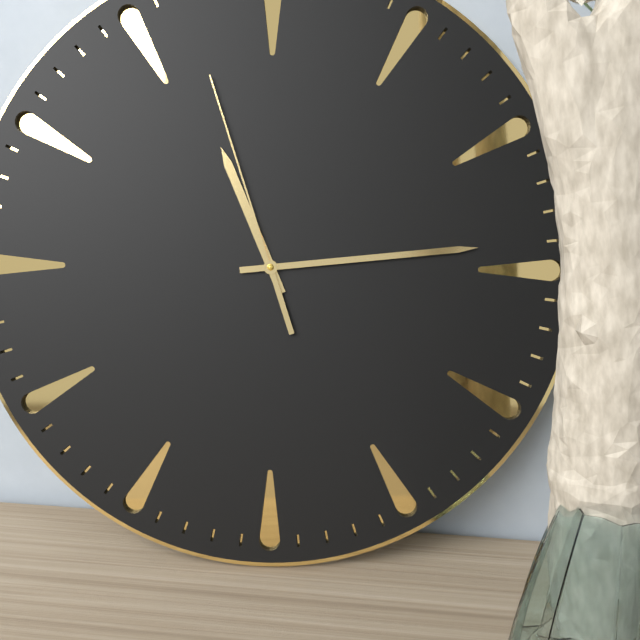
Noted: **11:14:57**
